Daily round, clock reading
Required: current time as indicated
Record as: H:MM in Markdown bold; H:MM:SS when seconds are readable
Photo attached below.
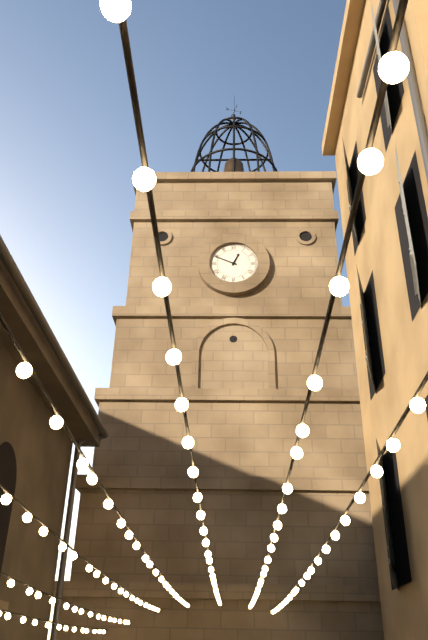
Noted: **12:49**
